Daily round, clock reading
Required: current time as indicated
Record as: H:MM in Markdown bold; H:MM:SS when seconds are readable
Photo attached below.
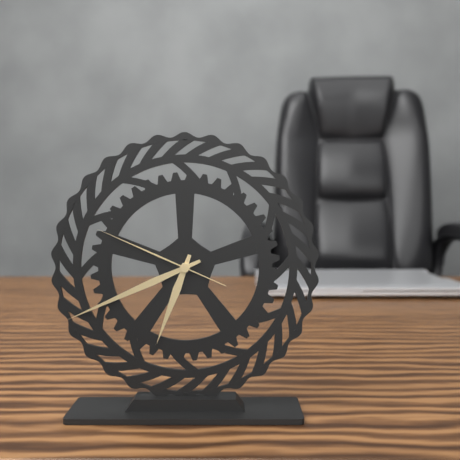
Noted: **6:41:49**
